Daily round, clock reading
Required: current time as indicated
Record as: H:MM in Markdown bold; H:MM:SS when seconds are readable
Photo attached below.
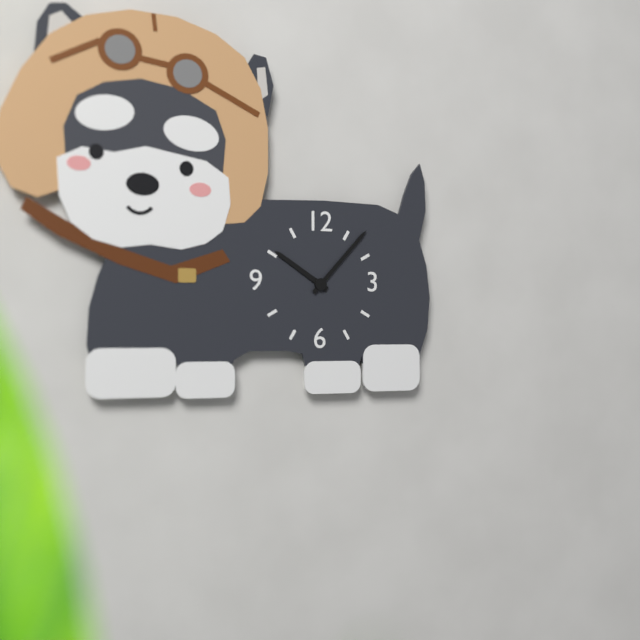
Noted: **10:07**
